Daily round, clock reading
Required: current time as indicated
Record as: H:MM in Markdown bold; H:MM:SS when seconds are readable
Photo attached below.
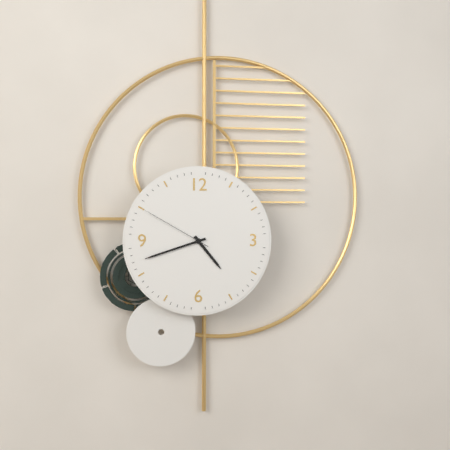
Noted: **4:42:50**
